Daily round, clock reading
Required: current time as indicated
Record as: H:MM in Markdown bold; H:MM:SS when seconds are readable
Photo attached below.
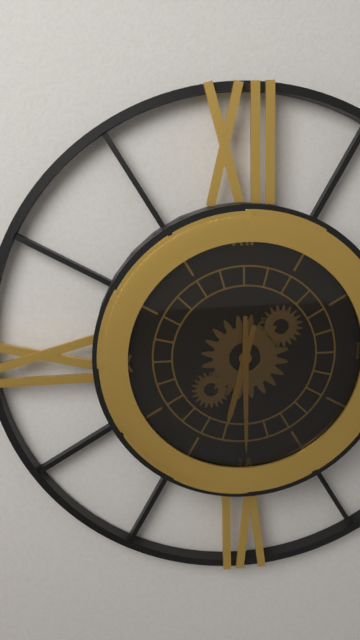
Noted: **6:30**
